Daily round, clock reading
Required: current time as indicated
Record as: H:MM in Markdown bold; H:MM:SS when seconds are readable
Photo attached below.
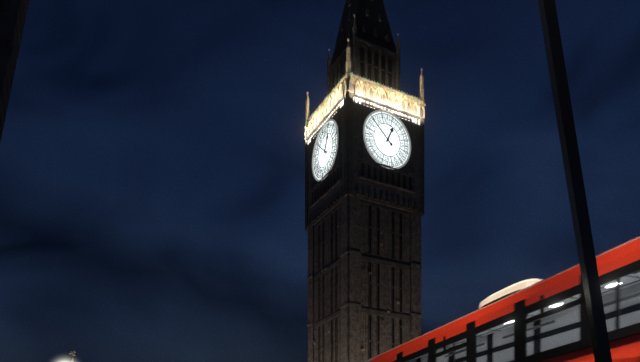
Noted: **12:52**
